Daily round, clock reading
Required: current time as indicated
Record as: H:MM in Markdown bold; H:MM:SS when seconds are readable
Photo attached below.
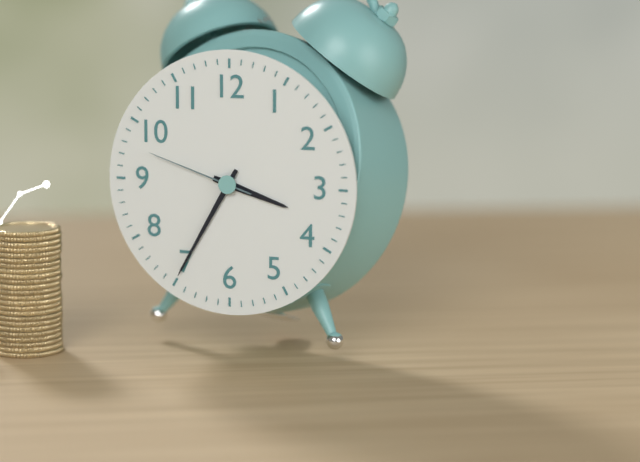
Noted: **3:35:48**
